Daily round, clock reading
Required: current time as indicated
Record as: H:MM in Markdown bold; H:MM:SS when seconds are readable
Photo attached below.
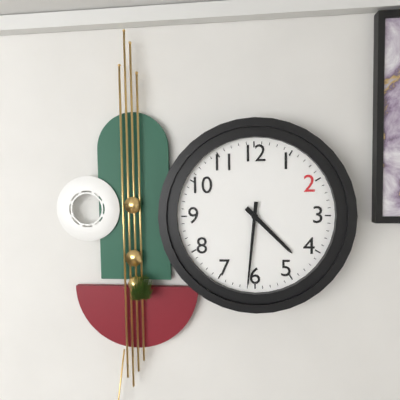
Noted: **4:31**
